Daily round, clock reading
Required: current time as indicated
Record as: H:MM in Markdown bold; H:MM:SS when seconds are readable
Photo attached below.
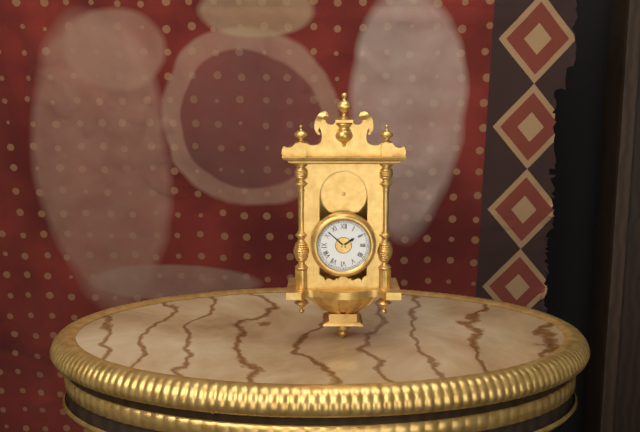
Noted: **1:52**
